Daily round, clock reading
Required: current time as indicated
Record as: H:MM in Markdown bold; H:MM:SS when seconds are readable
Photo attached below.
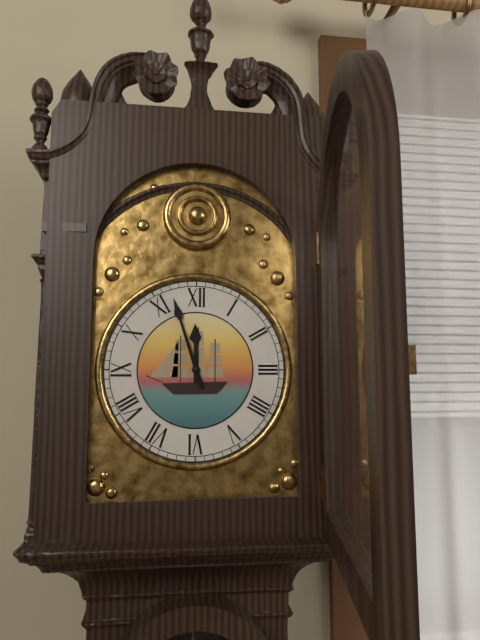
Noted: **11:57**
